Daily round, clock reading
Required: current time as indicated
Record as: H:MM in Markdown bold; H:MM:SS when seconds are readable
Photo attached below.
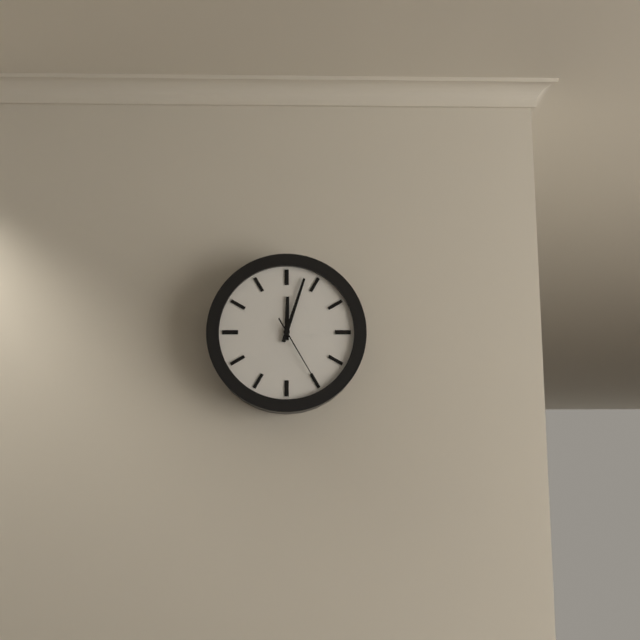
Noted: **12:03:25**
